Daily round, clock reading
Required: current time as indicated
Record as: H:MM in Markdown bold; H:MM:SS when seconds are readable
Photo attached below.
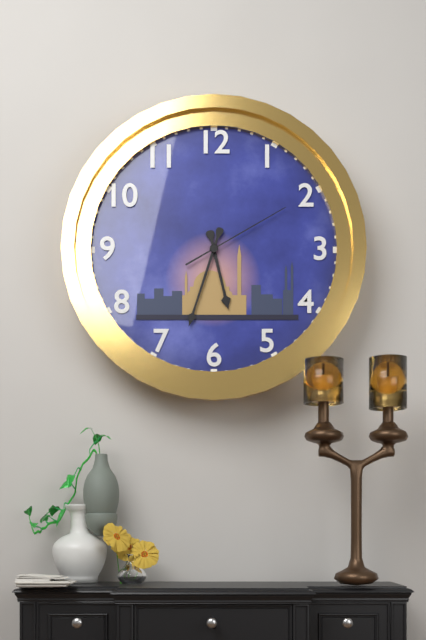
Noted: **5:33:10**
